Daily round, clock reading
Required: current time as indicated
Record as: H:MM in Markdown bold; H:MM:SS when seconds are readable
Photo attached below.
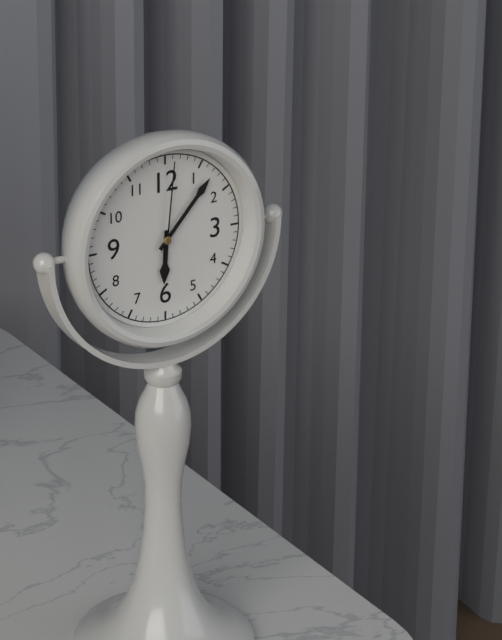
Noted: **6:07:01**
